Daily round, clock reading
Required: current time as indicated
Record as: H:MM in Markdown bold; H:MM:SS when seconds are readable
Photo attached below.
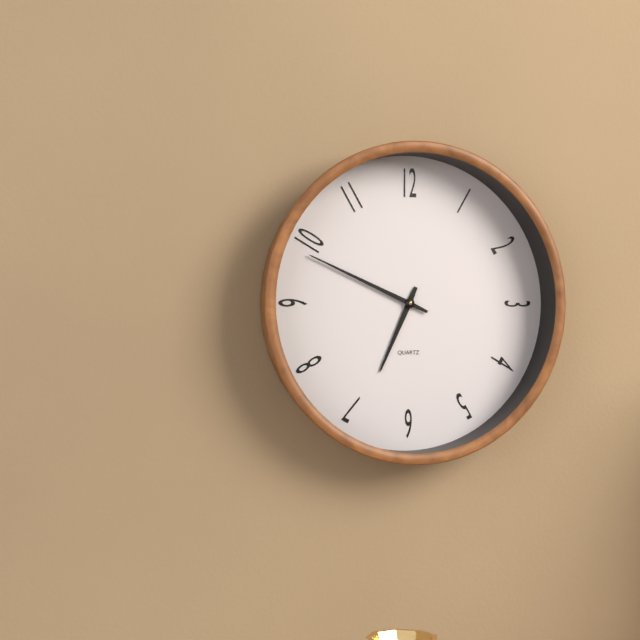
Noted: **6:49**
